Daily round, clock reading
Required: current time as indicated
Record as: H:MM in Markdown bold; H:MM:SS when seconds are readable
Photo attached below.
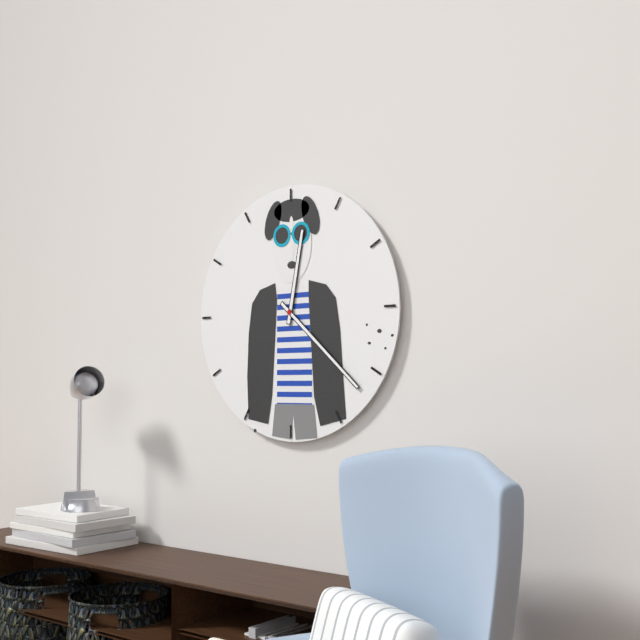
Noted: **12:22**
